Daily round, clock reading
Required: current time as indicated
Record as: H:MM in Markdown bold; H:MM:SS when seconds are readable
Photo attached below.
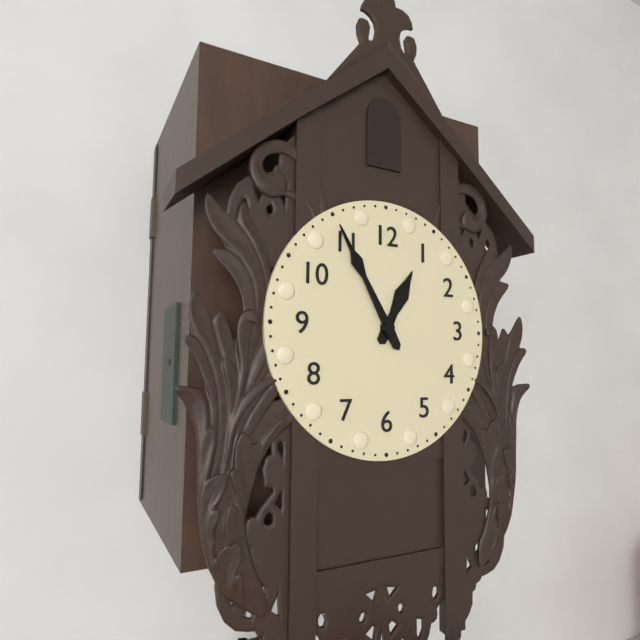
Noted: **12:55**
